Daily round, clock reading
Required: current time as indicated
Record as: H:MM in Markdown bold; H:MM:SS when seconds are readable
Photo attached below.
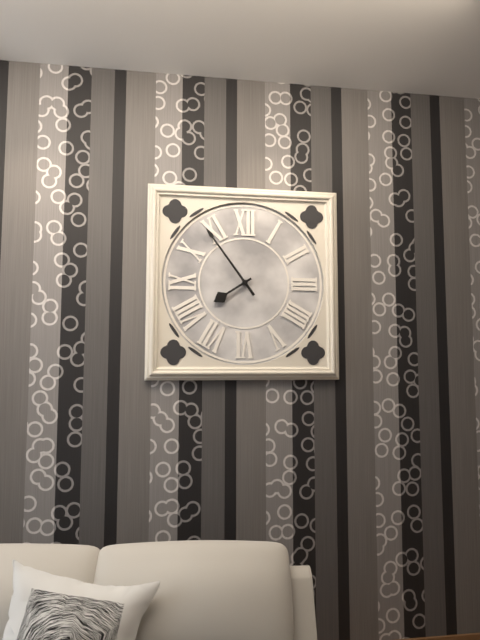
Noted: **7:54**
